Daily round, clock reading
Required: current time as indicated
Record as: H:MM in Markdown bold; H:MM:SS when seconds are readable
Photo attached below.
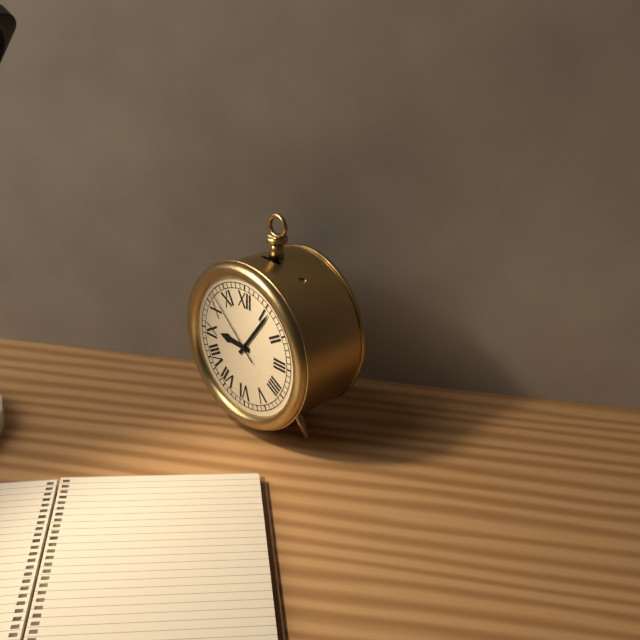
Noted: **9:06:52**
